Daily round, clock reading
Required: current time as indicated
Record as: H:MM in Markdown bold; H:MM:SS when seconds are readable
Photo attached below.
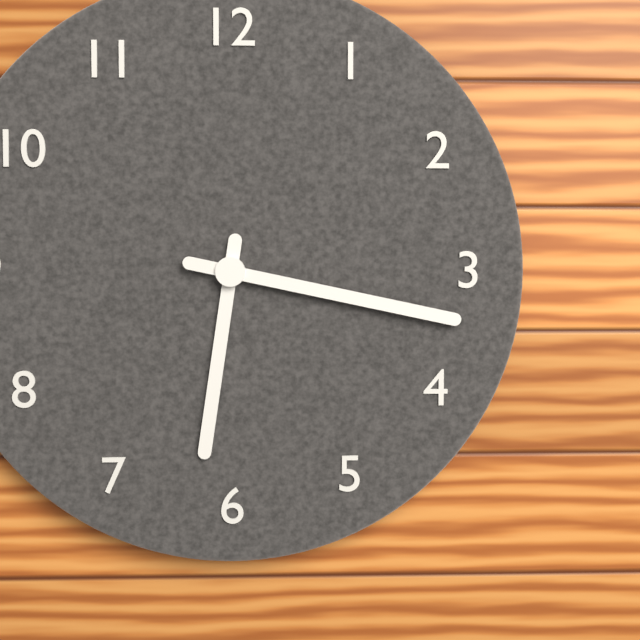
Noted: **6:17**
